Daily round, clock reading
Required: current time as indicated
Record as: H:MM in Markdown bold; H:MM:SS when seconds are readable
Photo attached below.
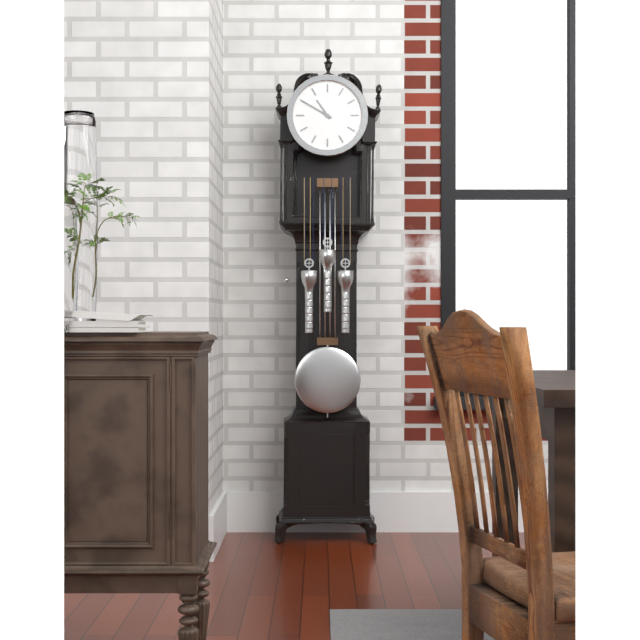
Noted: **10:50**
